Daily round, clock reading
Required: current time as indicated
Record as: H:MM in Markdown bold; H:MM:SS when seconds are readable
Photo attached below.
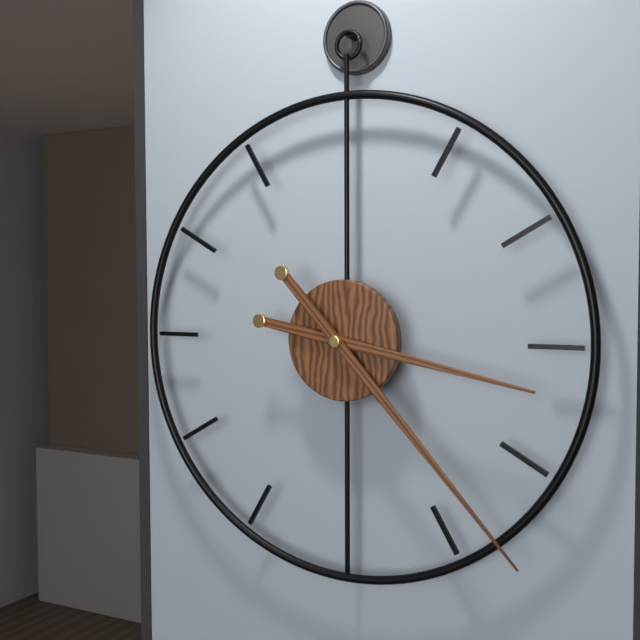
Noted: **3:23**
